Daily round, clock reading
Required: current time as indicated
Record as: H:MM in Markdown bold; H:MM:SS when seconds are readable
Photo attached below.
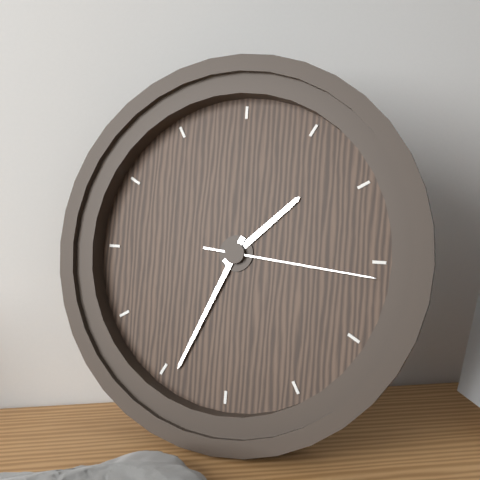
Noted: **1:34:16**
